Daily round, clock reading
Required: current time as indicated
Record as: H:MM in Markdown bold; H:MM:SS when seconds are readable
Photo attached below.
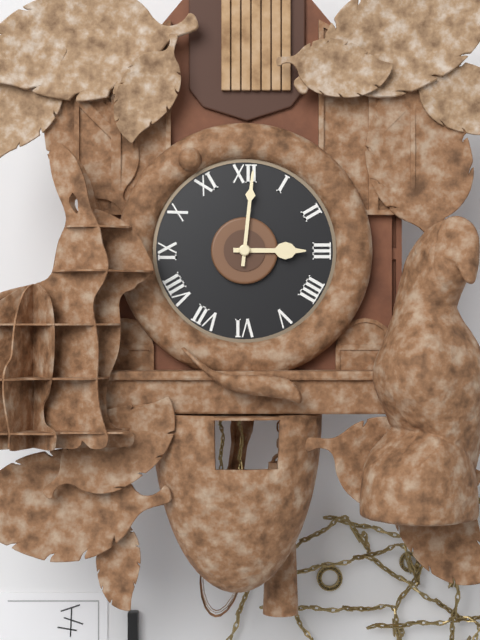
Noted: **3:01**
